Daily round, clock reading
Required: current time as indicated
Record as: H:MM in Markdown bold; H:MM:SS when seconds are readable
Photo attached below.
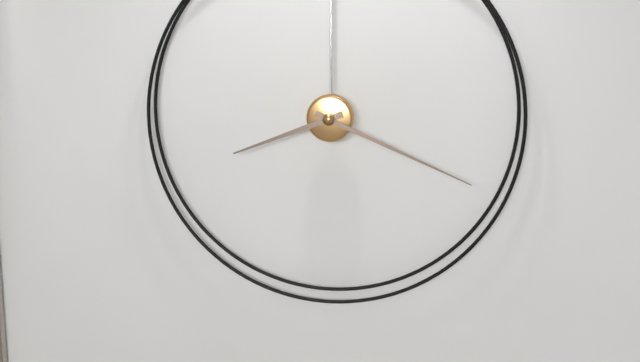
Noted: **8:19**
